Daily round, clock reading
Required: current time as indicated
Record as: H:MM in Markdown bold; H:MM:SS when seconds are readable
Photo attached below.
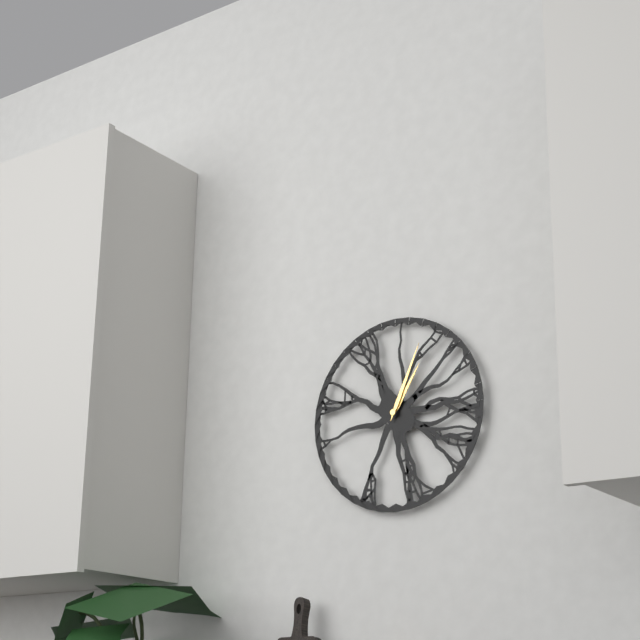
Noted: **1:04**
